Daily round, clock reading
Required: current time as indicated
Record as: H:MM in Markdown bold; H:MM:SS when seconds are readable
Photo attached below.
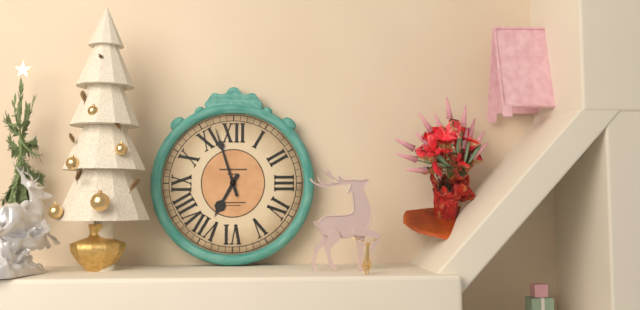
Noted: **6:57**
